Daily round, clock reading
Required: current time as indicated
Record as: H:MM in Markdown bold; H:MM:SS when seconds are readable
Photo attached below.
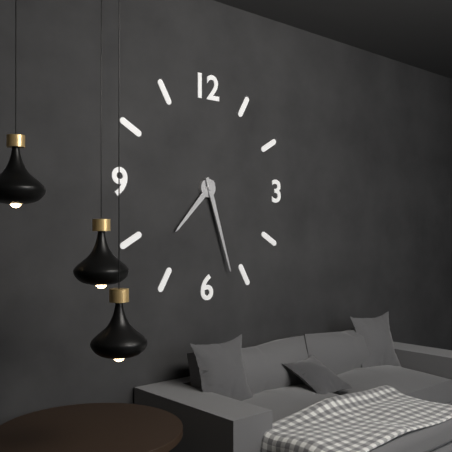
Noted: **7:27**
